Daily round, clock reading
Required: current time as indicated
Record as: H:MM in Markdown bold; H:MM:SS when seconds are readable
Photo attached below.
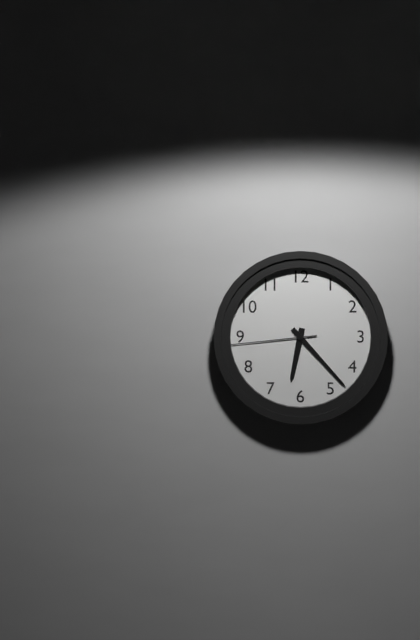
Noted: **6:23:44**
